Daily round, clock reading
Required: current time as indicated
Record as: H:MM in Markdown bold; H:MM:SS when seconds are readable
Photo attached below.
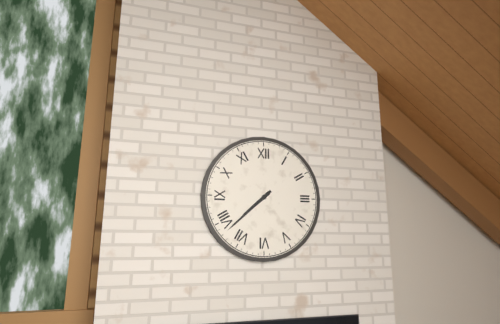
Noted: **7:38**
